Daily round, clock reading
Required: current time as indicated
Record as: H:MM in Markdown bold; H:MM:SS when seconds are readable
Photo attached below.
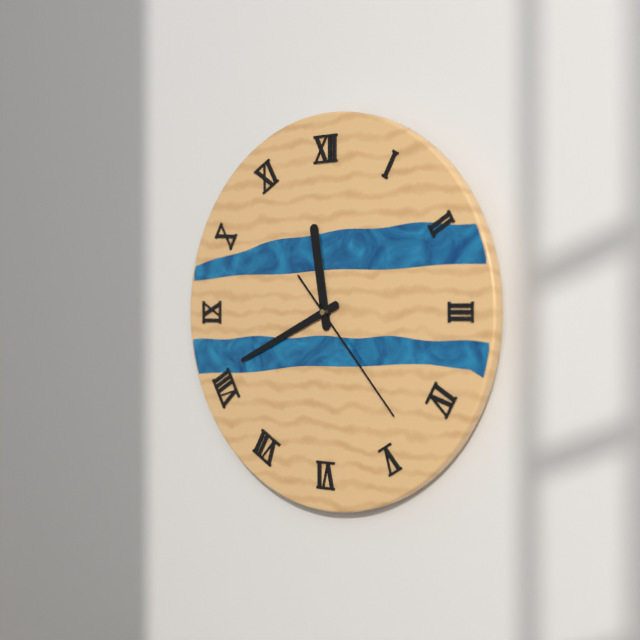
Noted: **11:41:23**
